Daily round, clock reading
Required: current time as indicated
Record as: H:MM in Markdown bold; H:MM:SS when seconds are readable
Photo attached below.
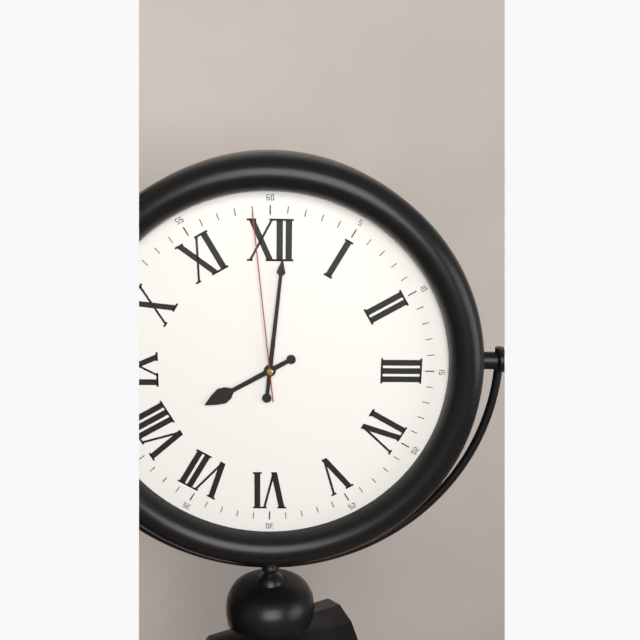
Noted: **8:01:59**
